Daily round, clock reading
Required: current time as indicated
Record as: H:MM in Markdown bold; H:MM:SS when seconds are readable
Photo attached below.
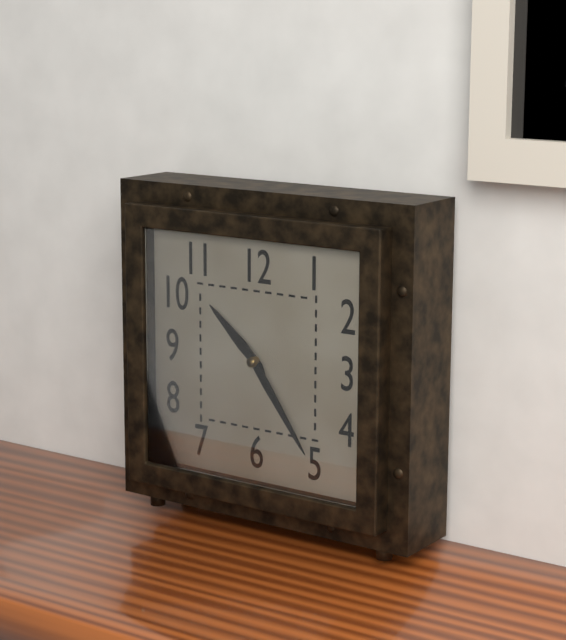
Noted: **10:24**
